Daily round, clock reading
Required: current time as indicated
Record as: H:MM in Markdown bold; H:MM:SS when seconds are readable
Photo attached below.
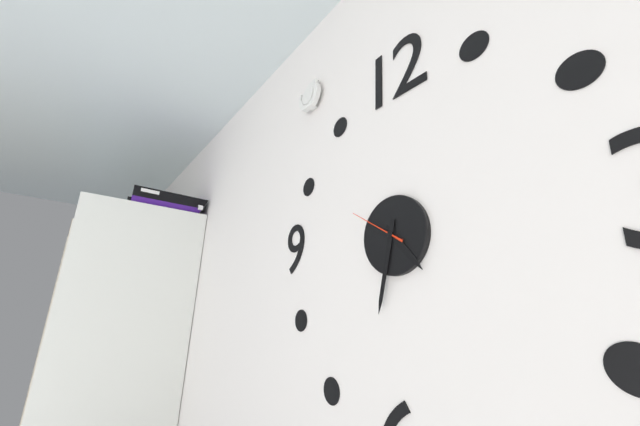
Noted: **4:32:50**
